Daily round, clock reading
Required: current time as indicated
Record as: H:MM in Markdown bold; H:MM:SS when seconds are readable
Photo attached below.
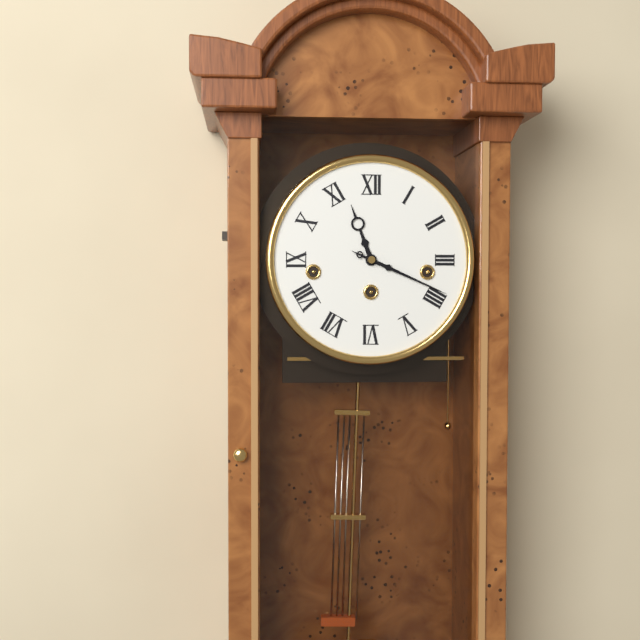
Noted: **11:19**
